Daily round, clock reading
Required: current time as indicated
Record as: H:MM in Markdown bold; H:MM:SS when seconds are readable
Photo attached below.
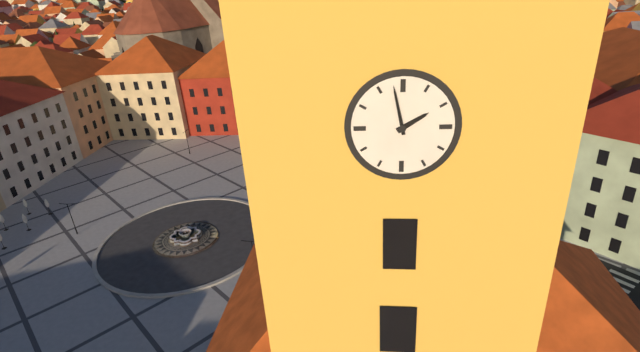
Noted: **1:58**
